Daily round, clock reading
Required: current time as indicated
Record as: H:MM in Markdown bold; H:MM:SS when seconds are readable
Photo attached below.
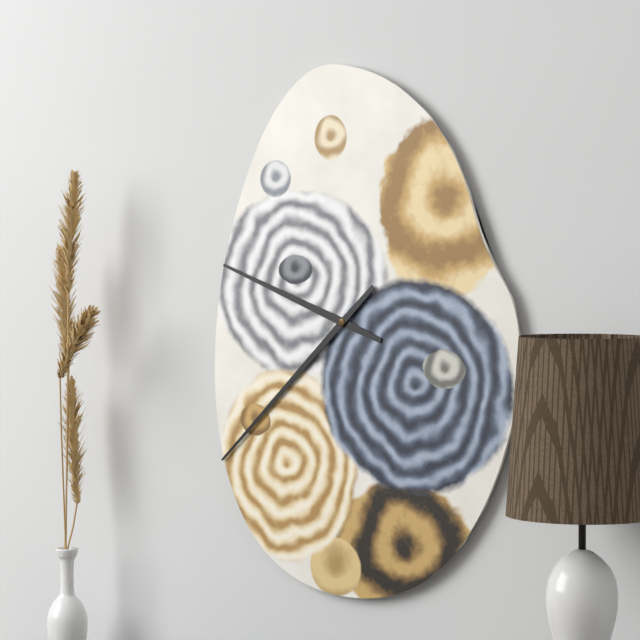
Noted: **9:38**
